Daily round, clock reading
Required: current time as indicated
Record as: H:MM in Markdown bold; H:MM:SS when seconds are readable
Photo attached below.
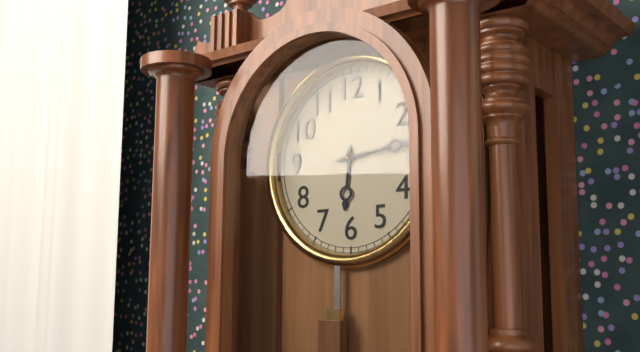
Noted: **6:14**
